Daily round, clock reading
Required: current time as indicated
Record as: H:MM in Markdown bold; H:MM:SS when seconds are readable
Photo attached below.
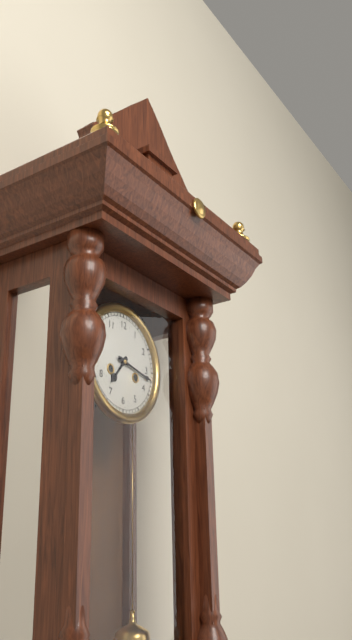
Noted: **7:17**
